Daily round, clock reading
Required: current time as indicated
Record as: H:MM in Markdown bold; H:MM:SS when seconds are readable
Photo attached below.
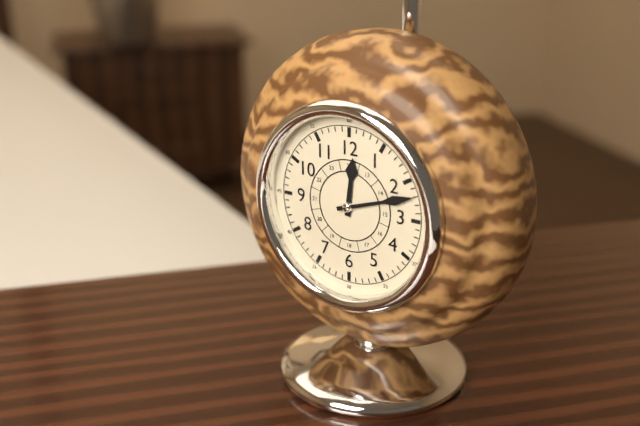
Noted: **12:12**
